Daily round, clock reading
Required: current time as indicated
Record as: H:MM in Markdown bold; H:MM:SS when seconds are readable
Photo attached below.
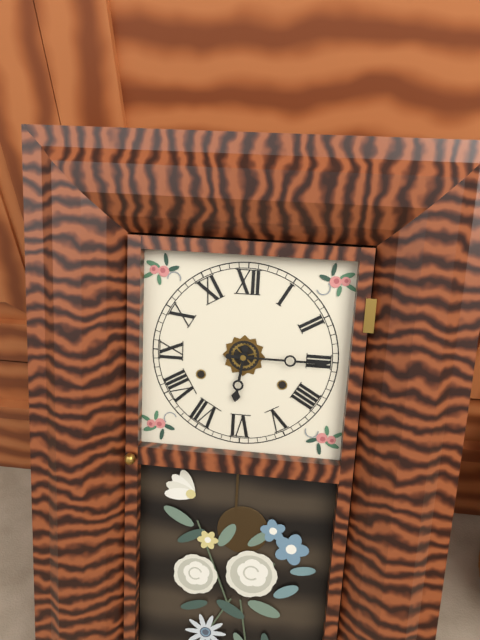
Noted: **6:15**
